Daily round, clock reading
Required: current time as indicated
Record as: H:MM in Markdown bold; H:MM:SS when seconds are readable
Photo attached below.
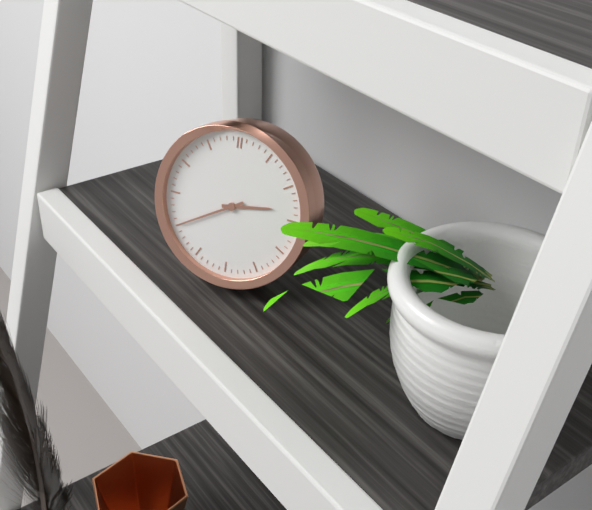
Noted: **2:40**
